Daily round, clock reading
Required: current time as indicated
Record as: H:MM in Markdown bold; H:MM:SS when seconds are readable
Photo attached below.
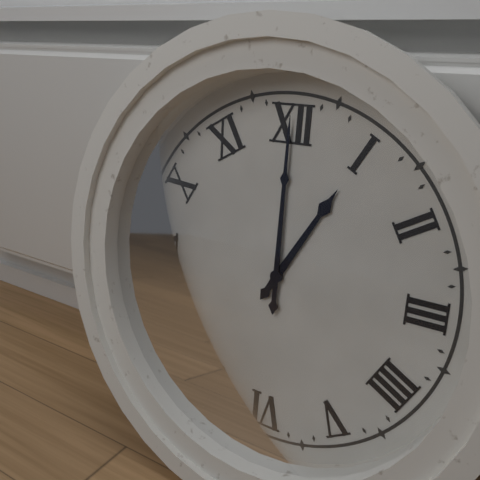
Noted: **1:00**
